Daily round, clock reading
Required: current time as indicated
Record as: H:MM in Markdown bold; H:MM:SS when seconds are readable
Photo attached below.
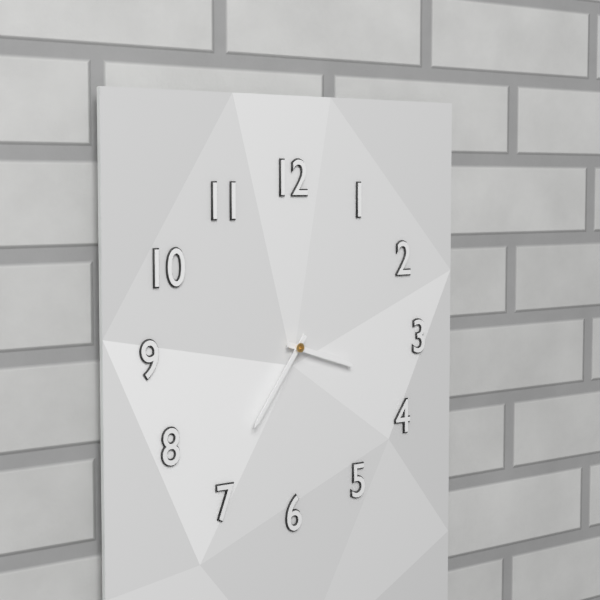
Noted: **3:36**
